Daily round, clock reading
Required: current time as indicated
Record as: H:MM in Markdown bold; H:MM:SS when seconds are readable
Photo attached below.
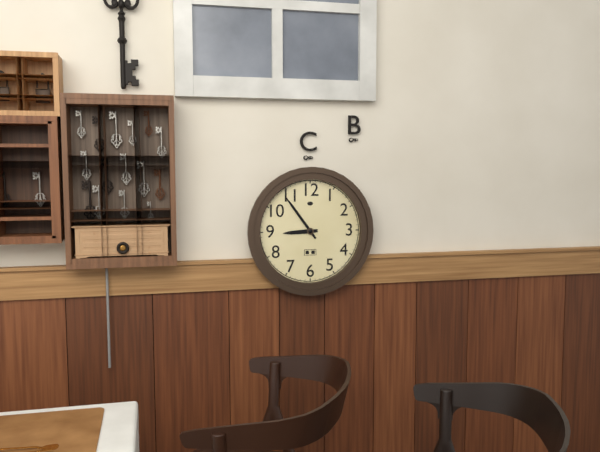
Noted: **8:54**
